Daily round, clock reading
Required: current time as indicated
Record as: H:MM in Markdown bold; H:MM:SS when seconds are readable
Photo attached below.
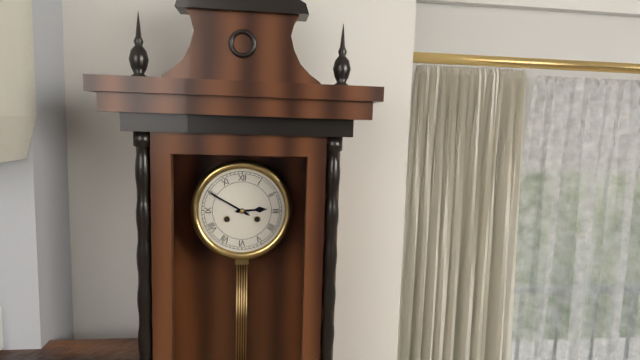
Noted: **2:50**
